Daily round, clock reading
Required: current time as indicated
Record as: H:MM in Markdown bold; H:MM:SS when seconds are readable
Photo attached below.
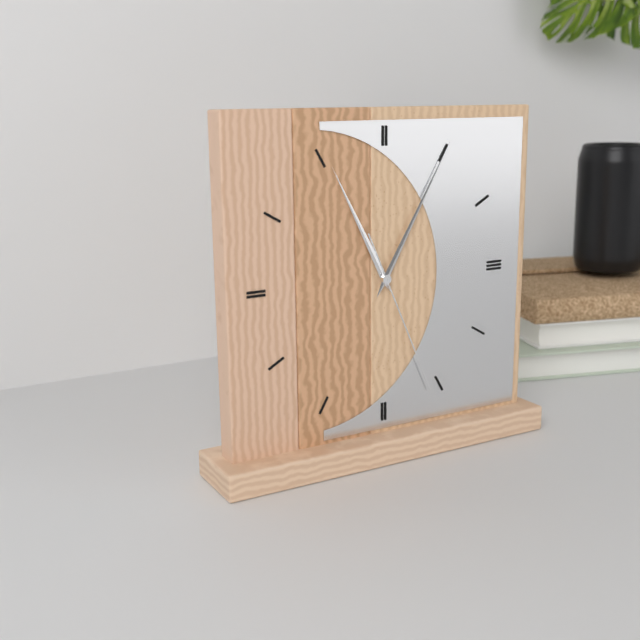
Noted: **11:05:26**
